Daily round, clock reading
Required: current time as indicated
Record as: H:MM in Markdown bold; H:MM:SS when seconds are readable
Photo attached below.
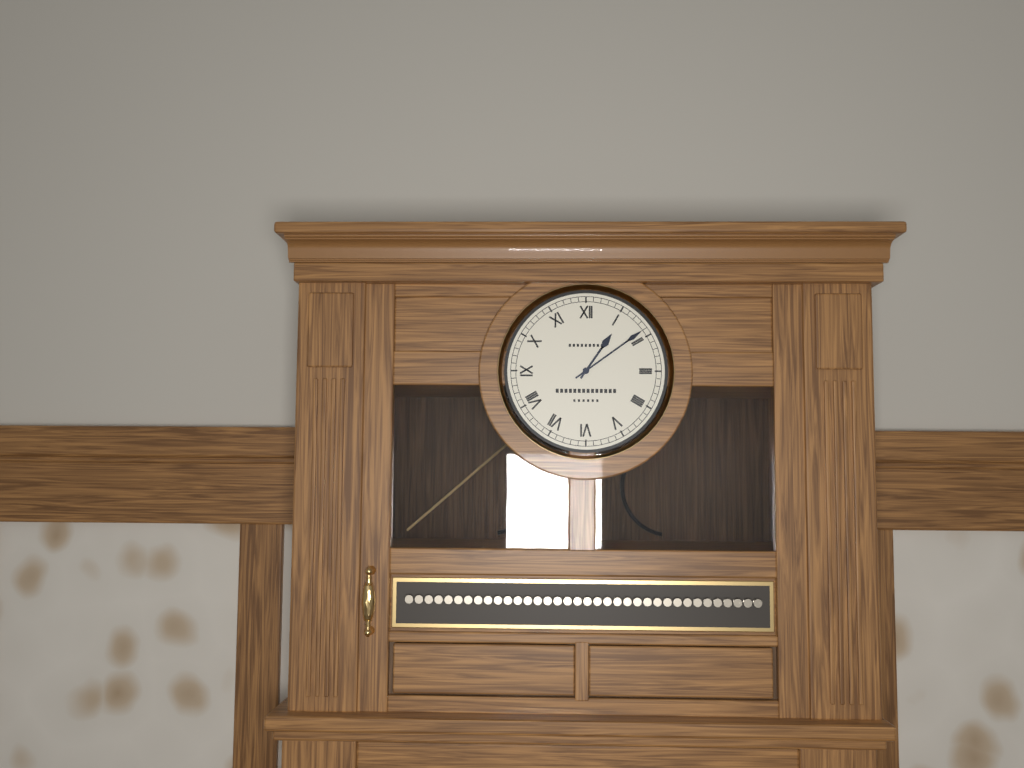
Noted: **1:09**
